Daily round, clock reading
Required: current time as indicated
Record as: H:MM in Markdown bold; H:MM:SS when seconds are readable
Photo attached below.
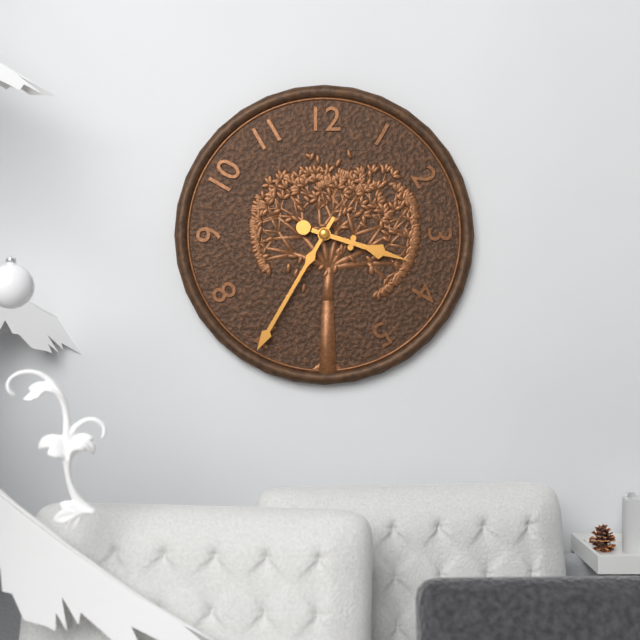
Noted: **3:35**
